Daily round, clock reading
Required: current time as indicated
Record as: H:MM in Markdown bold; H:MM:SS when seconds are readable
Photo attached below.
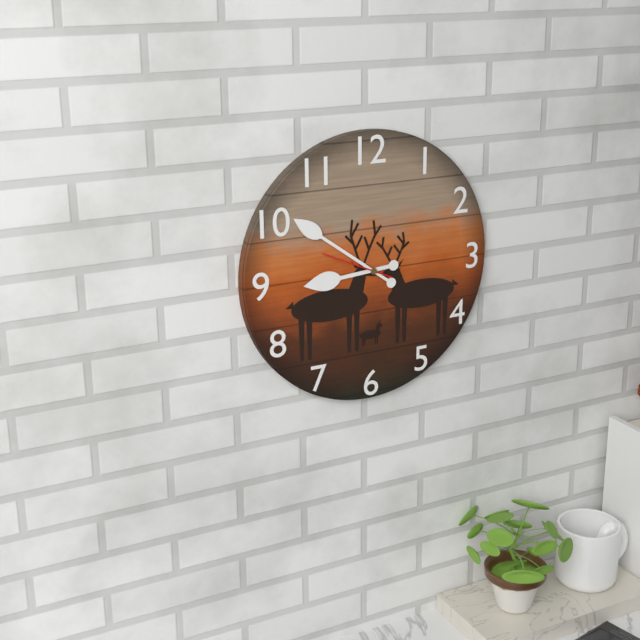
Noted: **8:51:49**
